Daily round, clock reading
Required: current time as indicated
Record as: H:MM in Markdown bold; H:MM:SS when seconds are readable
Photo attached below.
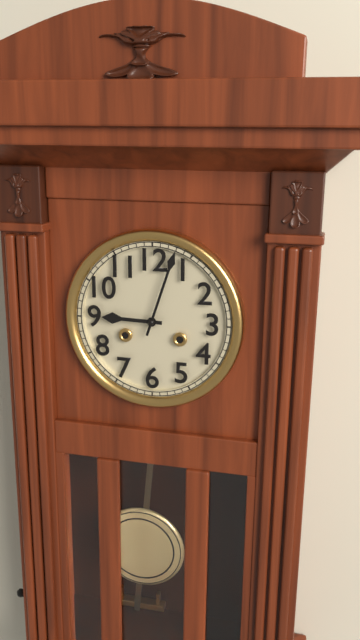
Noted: **9:03**
